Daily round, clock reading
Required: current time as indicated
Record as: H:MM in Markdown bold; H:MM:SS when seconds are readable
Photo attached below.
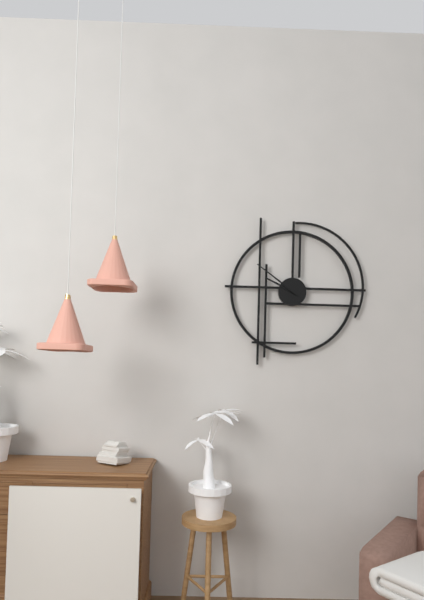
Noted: **9:51**
